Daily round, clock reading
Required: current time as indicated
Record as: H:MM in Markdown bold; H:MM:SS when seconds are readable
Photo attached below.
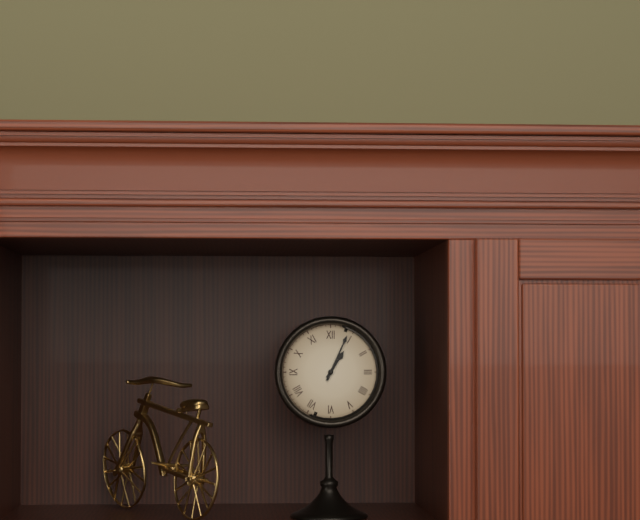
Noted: **1:04**
